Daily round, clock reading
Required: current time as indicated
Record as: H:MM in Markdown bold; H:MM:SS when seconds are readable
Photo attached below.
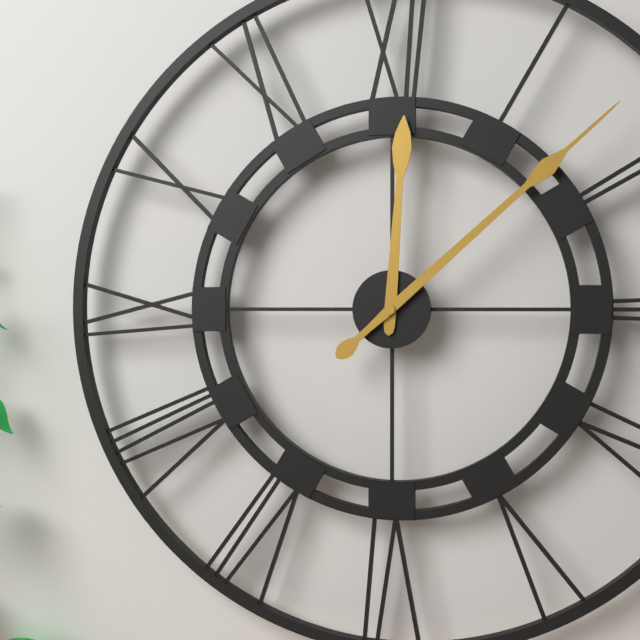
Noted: **12:08**
